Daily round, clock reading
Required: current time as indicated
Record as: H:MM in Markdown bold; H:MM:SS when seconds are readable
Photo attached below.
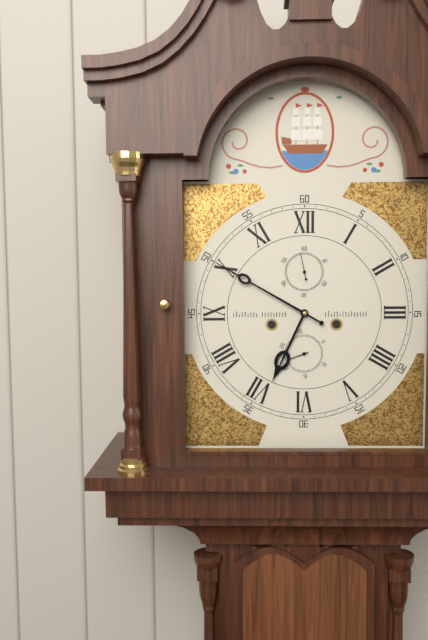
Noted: **6:50**
